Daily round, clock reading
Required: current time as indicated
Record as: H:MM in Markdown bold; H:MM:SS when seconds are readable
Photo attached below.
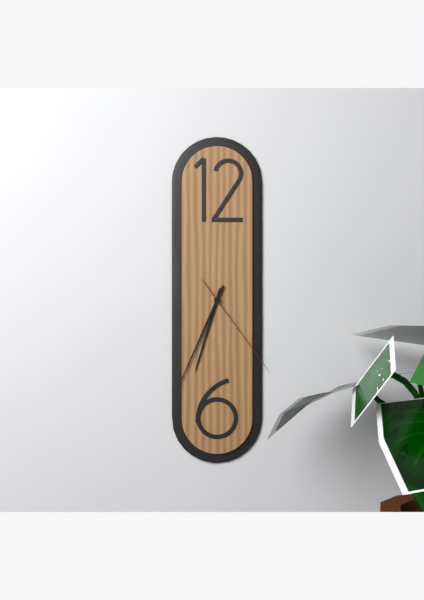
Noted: **6:34:24**
